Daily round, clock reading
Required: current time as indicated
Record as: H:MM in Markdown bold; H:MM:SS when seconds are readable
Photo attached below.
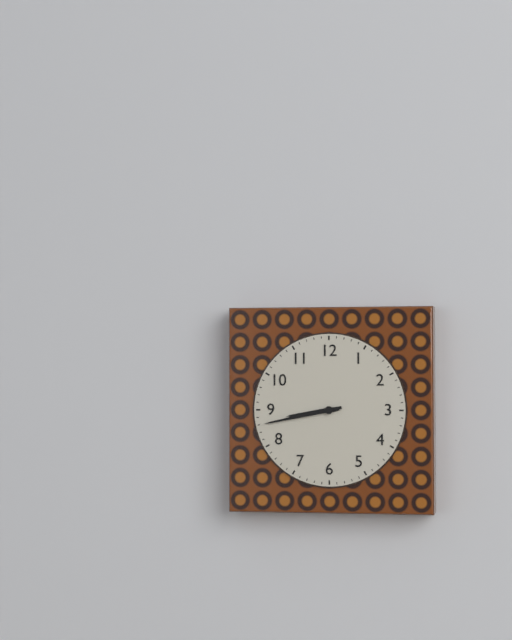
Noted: **8:43**
